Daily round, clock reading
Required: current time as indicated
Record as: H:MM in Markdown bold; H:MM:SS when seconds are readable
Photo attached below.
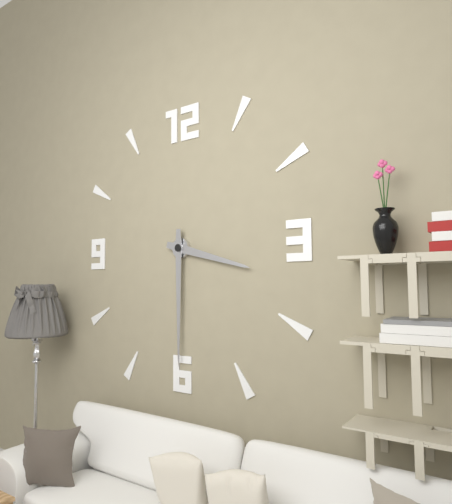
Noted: **3:30**
